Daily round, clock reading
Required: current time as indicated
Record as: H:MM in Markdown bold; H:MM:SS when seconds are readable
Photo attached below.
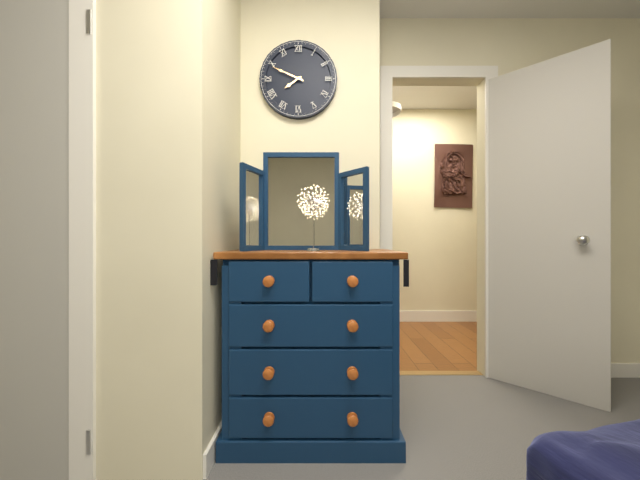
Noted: **7:49**
